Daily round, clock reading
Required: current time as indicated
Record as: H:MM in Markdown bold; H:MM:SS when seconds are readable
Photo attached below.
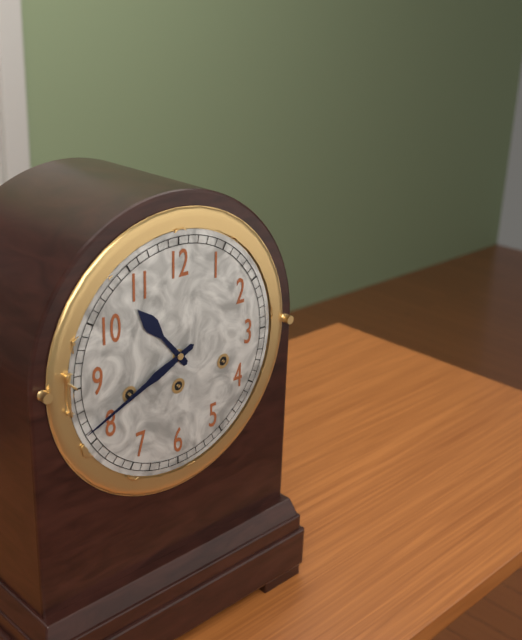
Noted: **10:41**
